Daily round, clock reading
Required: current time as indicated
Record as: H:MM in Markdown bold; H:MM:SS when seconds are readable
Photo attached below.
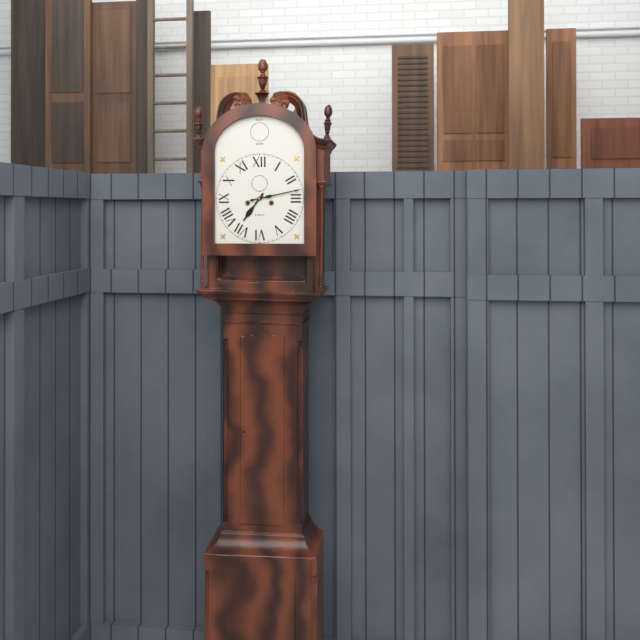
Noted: **7:13**
